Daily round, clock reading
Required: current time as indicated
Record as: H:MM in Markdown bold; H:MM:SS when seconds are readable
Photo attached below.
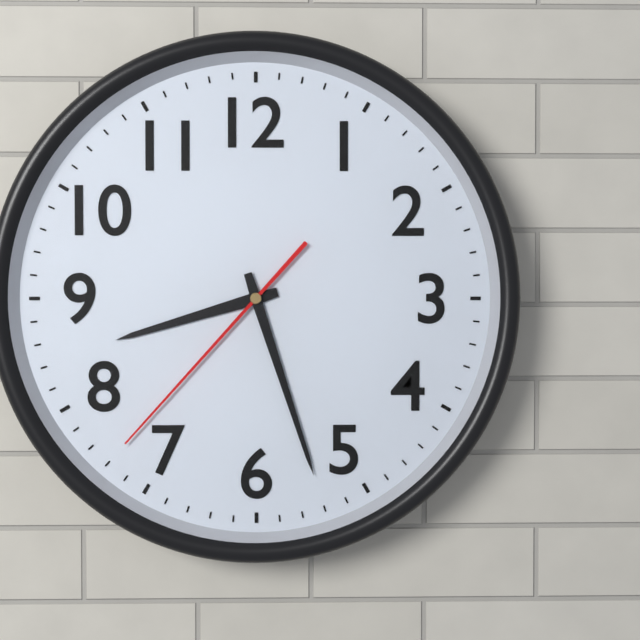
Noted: **8:27:37**
